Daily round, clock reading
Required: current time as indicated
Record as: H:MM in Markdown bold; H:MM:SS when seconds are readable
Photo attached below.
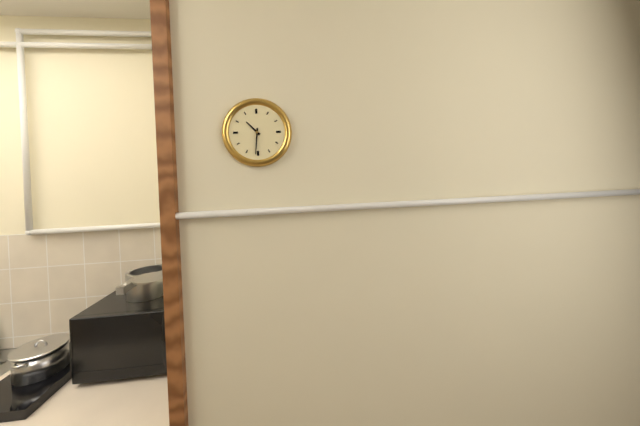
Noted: **10:31**
